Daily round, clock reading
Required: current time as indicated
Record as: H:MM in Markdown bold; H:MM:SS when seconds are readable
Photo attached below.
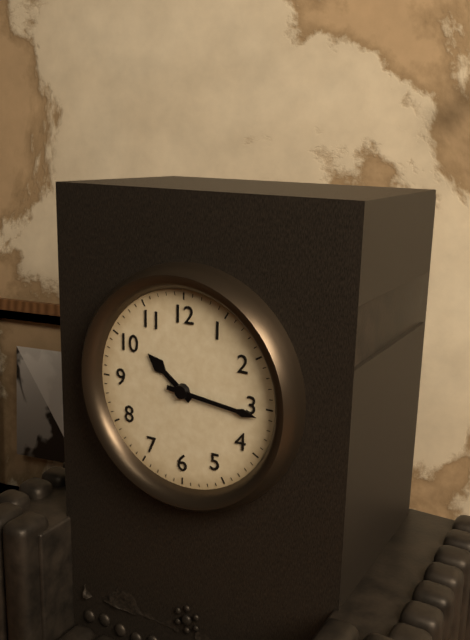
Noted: **10:16**
